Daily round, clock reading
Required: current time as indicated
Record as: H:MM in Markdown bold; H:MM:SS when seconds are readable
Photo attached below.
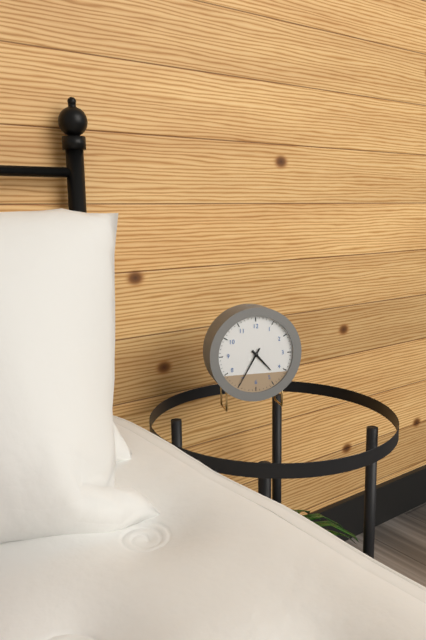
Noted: **4:35**
